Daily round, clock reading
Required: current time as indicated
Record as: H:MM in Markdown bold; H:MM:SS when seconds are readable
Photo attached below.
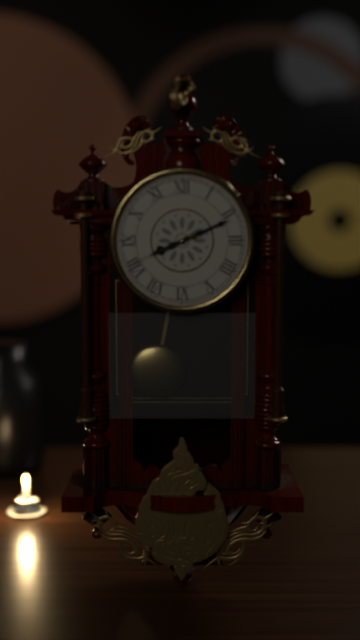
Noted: **8:11:41**
